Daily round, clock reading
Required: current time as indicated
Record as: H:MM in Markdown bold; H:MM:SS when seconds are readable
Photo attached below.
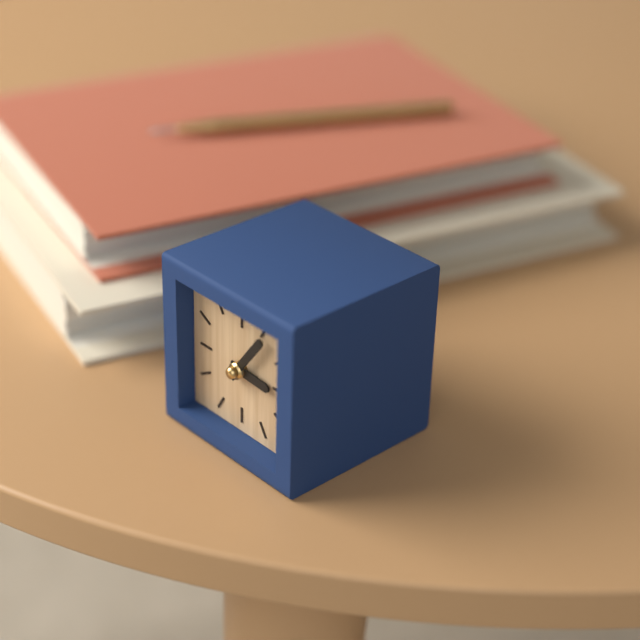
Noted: **3:06**
